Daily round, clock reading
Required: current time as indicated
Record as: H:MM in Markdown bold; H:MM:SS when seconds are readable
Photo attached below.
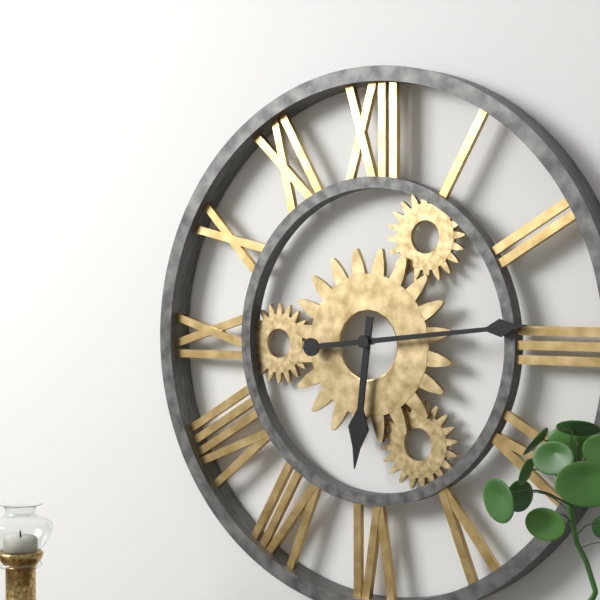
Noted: **6:14**
